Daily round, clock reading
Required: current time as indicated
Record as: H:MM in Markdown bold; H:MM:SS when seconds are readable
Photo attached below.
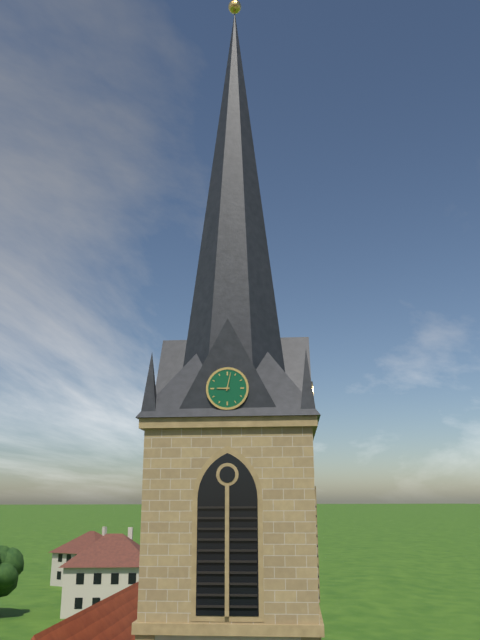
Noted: **9:02**
